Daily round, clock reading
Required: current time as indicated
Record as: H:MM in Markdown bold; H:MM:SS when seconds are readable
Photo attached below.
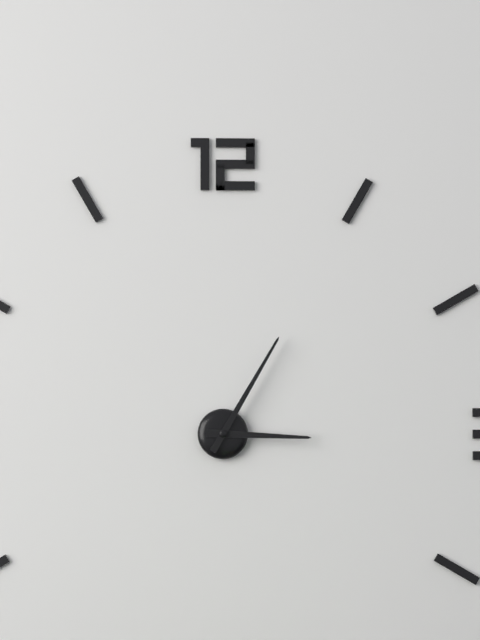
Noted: **3:05**
